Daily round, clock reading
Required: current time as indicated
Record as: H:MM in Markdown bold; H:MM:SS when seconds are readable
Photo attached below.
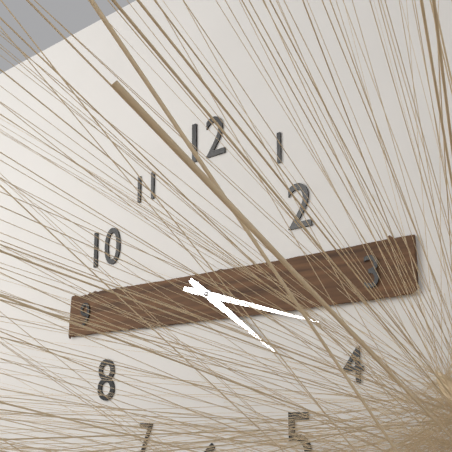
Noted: **4:18**
